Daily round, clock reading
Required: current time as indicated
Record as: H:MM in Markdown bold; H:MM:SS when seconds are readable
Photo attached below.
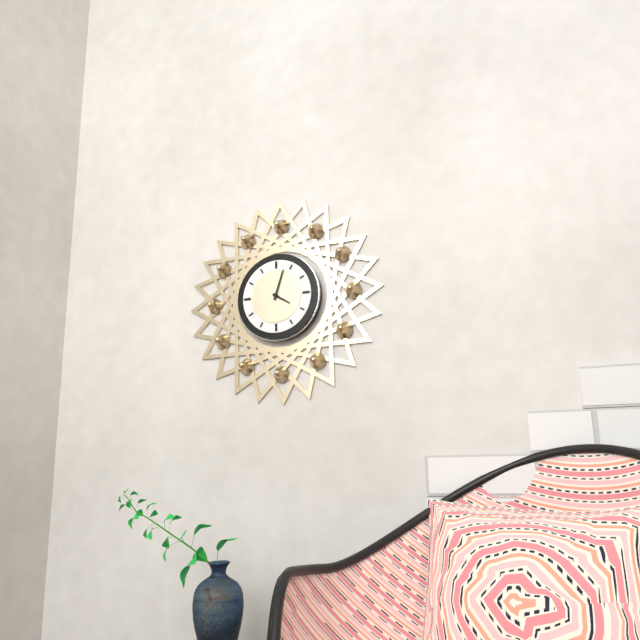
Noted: **4:03**
